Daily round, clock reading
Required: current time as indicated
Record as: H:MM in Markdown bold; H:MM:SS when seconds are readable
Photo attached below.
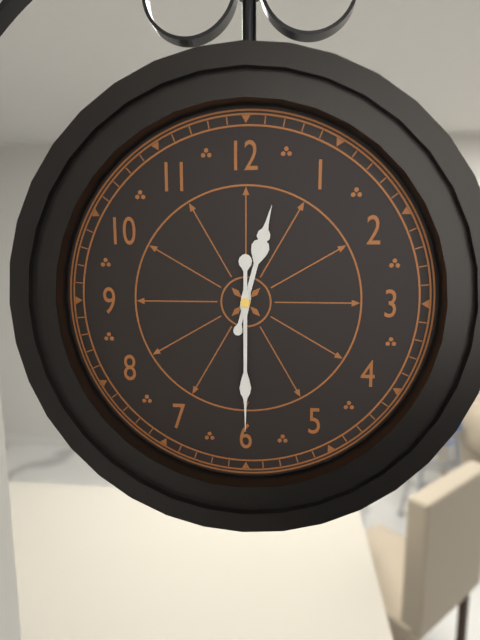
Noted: **12:30**
